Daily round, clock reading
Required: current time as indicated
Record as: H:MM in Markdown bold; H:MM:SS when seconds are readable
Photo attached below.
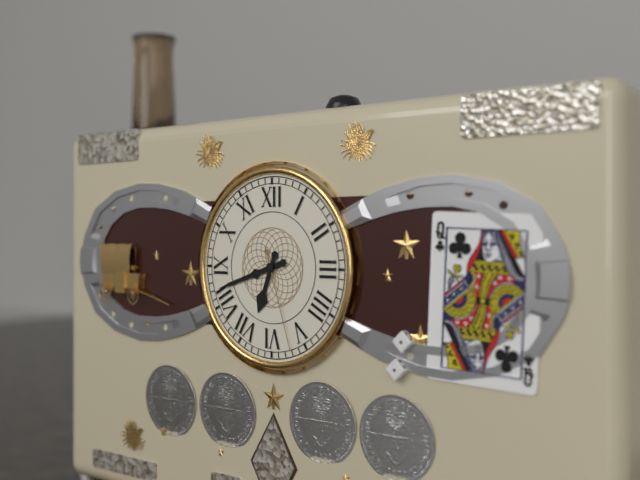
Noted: **6:42:27**
